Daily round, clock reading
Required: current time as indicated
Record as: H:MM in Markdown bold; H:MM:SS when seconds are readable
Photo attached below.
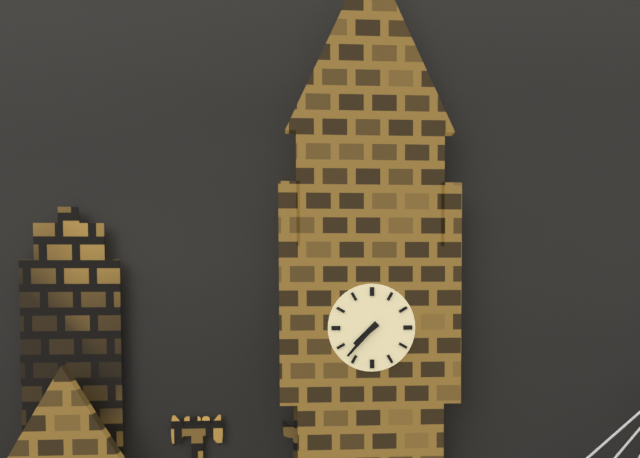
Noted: **7:37**
